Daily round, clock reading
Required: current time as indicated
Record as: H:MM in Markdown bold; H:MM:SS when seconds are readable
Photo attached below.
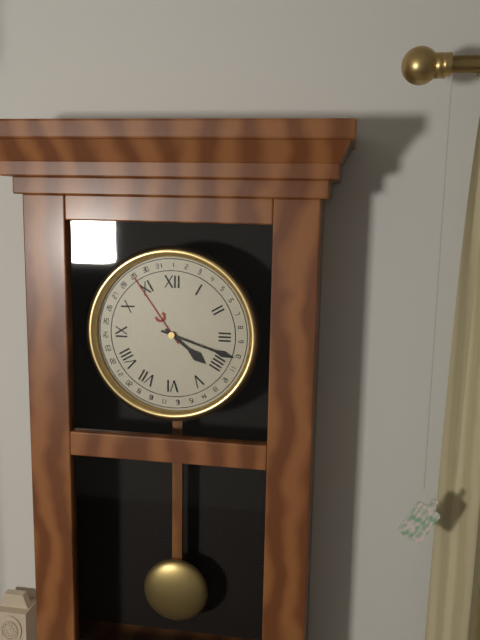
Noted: **4:18**
